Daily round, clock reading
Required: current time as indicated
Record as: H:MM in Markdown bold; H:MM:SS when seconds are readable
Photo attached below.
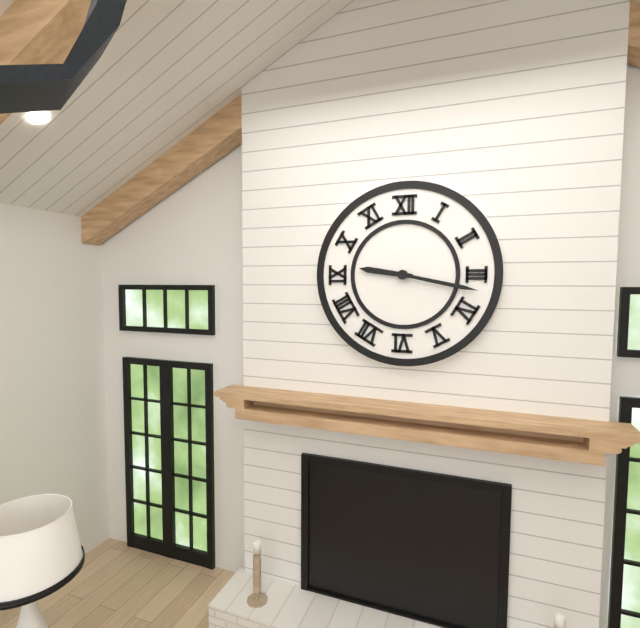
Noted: **9:17**
